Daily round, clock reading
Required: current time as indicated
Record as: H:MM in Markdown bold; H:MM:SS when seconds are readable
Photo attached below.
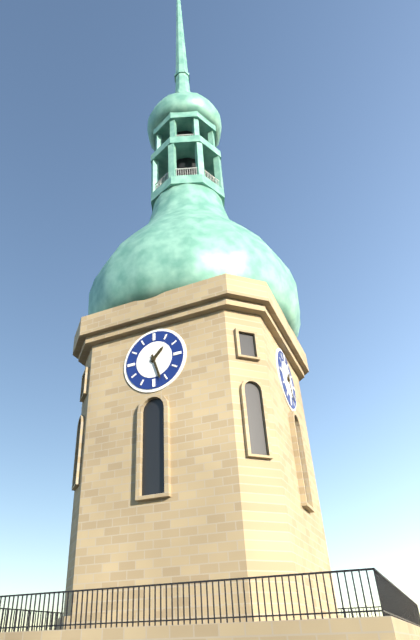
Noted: **1:27**
